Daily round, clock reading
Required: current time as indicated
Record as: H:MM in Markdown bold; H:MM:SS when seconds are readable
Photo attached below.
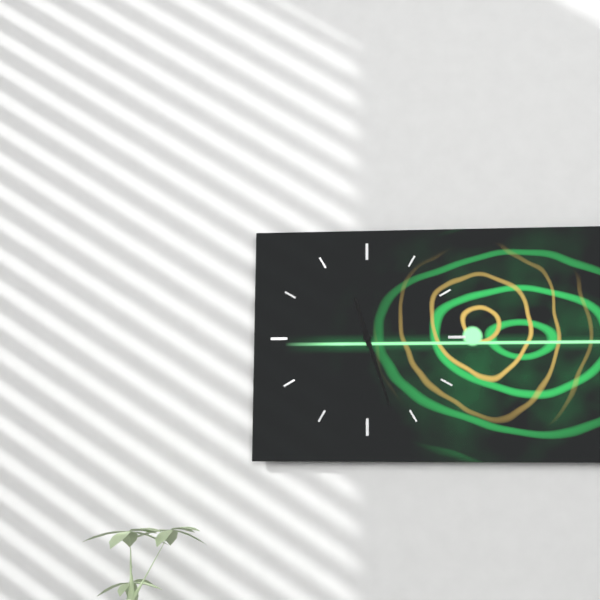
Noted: **11:27**
